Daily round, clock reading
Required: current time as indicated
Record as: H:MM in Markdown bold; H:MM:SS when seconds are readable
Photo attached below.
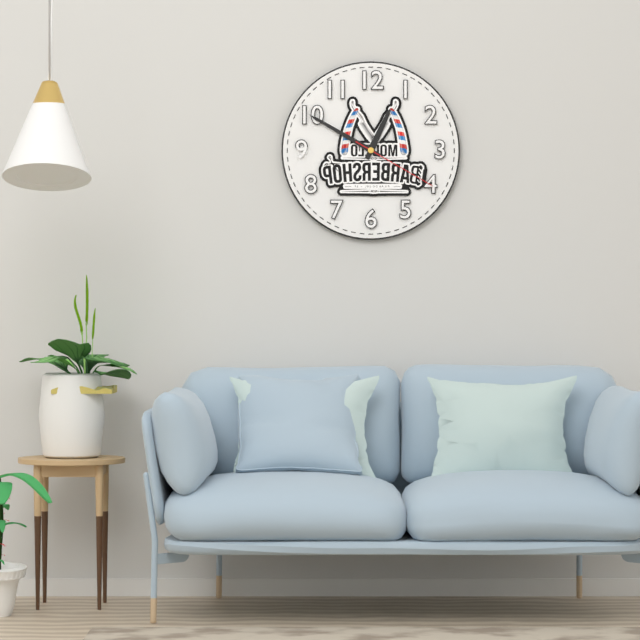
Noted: **12:50:20**
